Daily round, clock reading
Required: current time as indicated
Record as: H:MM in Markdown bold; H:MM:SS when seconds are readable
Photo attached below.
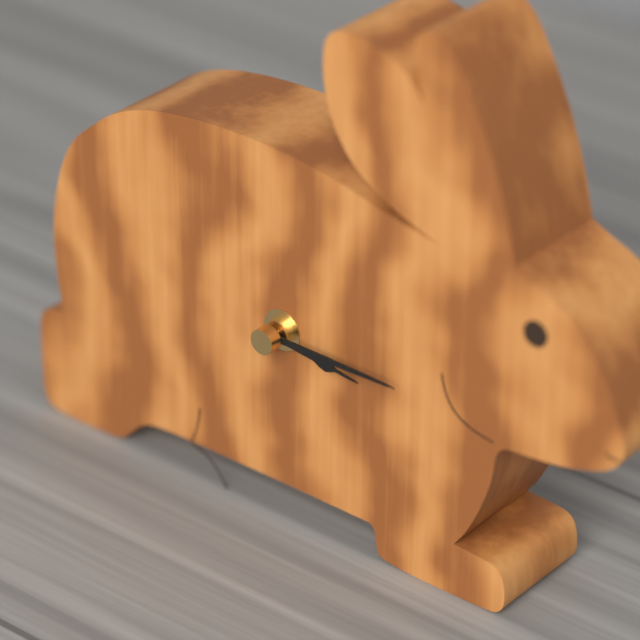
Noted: **3:15**
